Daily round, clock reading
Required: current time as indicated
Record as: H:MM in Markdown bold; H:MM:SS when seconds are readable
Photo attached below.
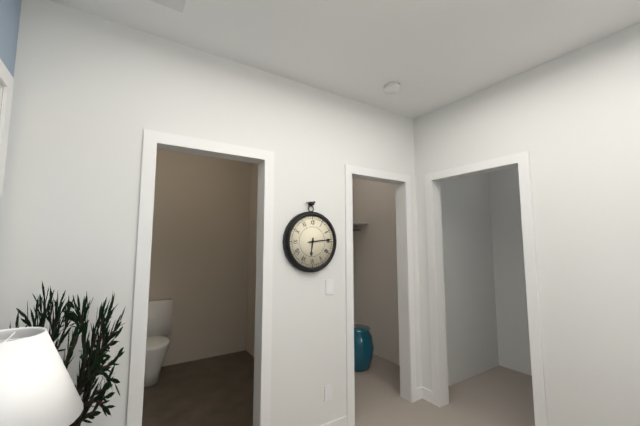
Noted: **6:14**
